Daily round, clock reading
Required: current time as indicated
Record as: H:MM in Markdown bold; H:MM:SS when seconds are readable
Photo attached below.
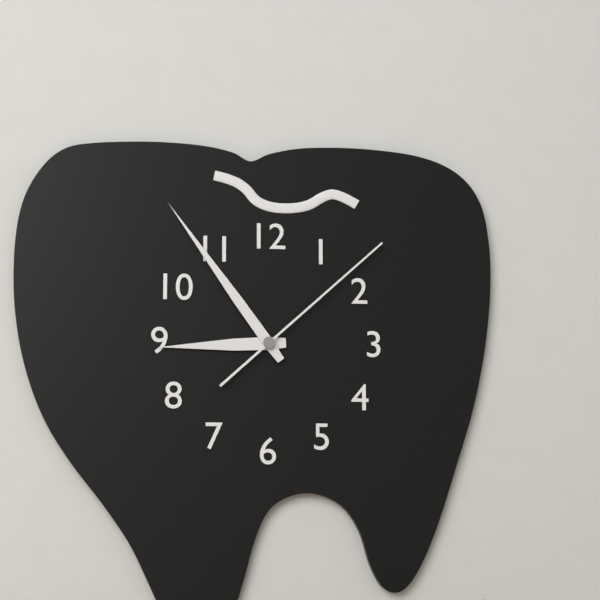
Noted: **8:54:08**
